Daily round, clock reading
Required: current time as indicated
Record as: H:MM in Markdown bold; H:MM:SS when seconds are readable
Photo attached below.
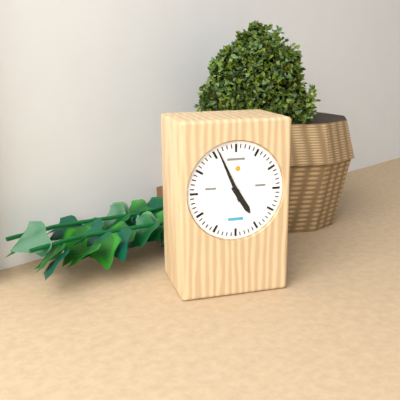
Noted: **4:56**
